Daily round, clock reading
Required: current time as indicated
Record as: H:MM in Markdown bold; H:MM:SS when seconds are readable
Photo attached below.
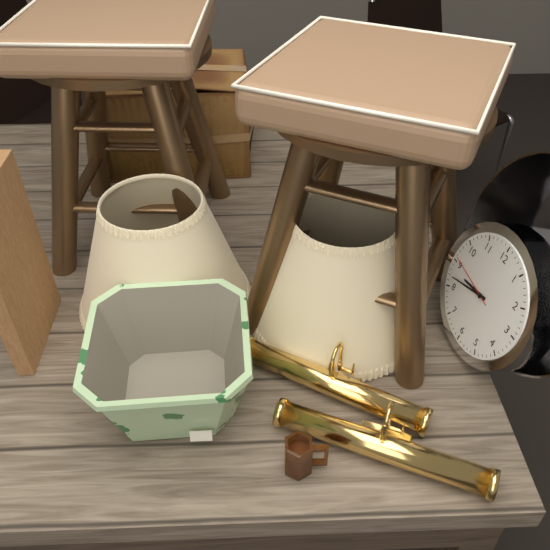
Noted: **8:42:46**
